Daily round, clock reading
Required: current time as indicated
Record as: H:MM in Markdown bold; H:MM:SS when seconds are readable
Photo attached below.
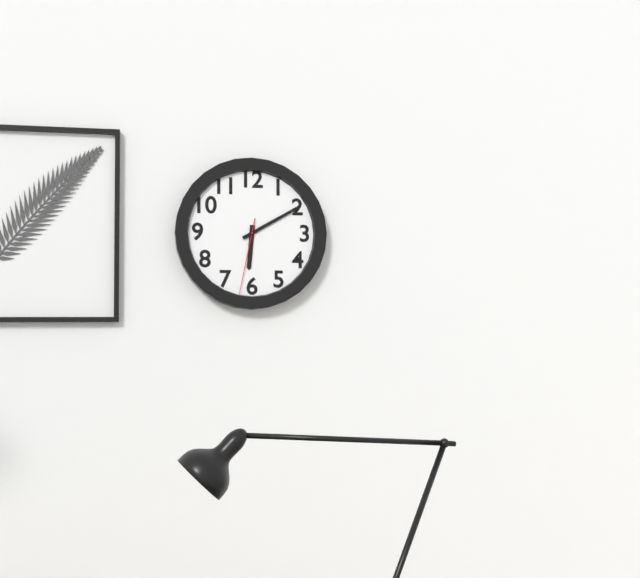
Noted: **6:10:32**
